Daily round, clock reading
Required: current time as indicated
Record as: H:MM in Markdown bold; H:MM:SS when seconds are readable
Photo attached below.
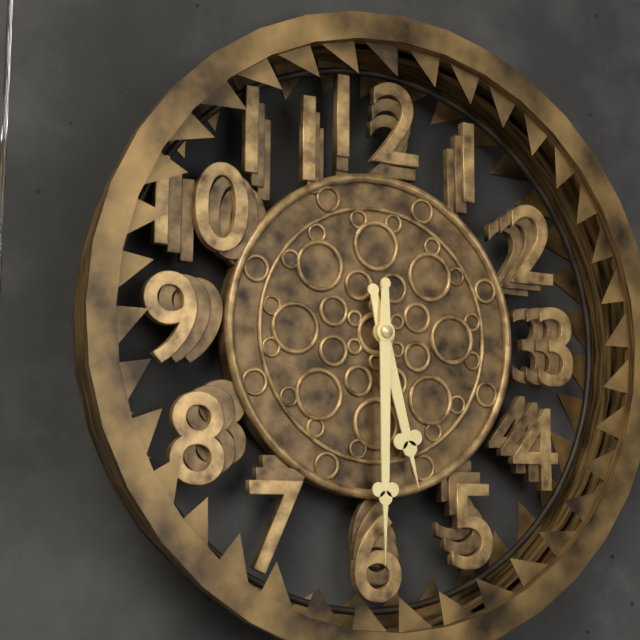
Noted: **5:30**
